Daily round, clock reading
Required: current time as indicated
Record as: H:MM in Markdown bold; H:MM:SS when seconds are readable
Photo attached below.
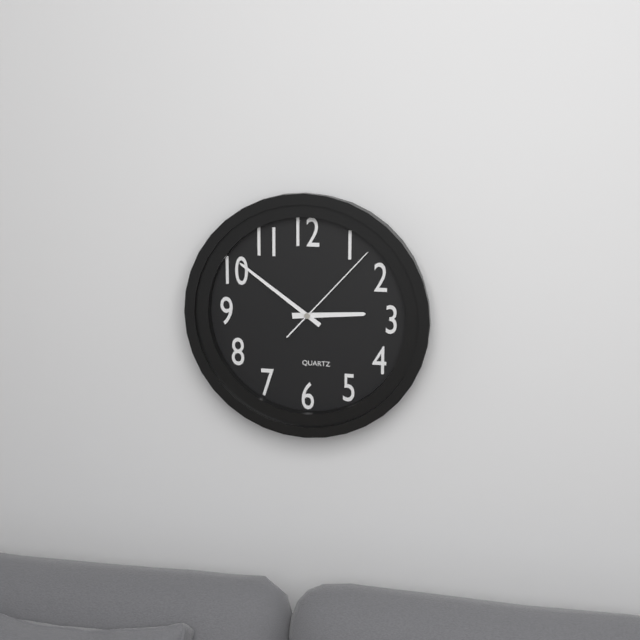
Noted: **2:51:07**
